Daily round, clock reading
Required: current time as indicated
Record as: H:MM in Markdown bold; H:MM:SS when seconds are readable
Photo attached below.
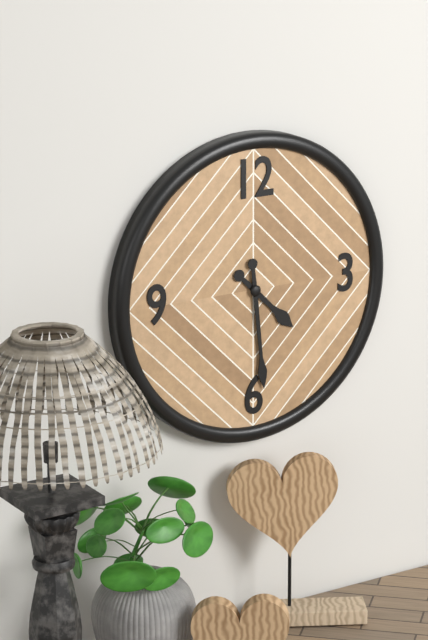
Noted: **4:29**
